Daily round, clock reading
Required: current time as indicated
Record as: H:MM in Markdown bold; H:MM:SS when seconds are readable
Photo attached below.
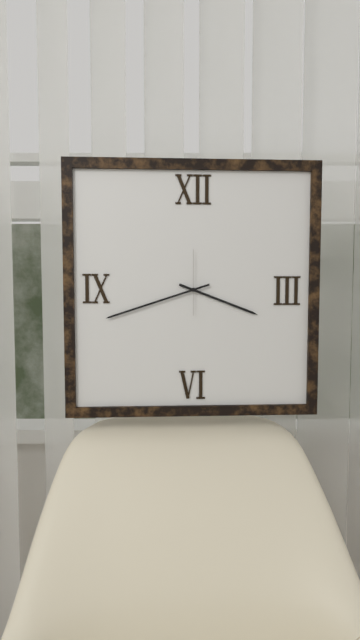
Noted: **3:42:00**
